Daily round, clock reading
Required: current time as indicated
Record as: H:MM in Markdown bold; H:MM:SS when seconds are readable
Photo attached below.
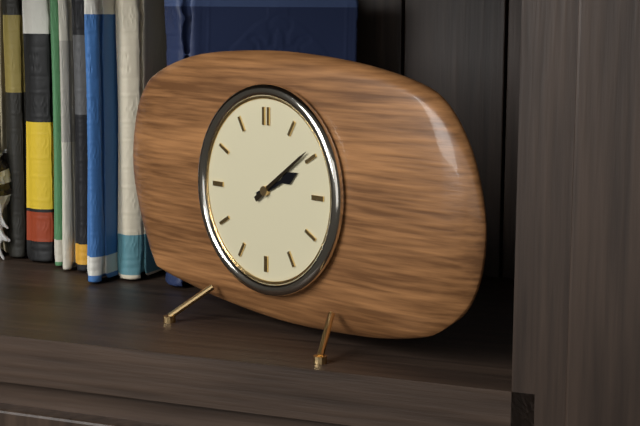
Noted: **2:09**
